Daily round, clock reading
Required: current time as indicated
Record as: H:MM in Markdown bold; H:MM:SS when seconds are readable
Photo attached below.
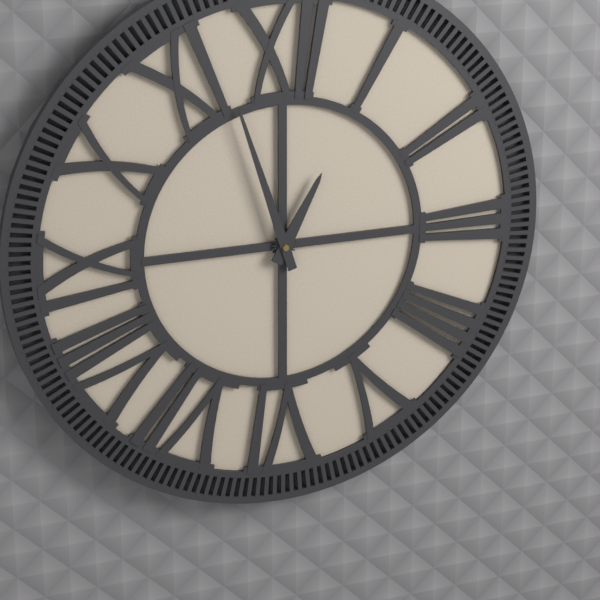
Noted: **12:57**
